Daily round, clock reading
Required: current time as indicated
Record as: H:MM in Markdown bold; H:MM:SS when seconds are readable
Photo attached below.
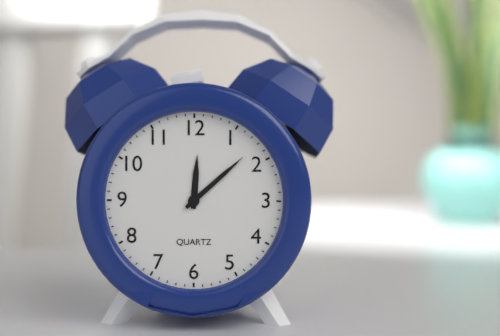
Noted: **12:08**
